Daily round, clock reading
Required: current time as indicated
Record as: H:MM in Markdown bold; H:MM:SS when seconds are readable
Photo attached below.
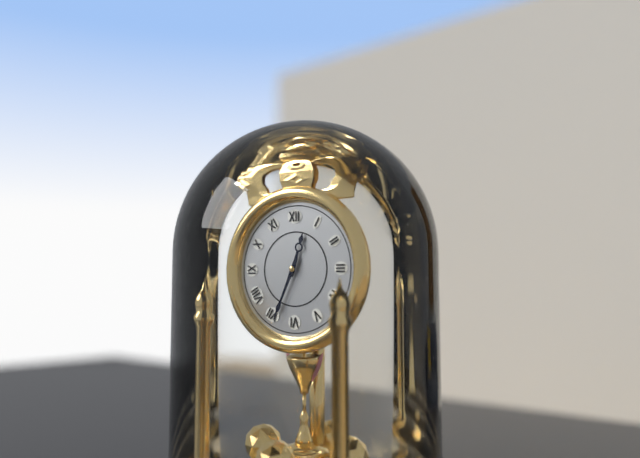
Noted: **12:34**
